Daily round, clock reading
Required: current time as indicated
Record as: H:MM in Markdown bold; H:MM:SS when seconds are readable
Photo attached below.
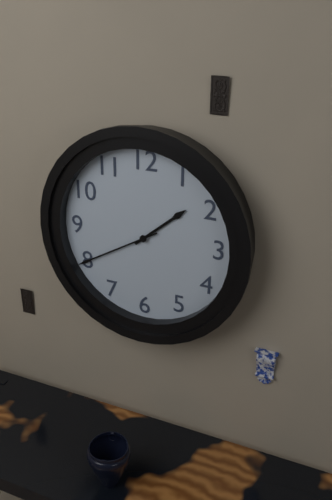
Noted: **1:40**
